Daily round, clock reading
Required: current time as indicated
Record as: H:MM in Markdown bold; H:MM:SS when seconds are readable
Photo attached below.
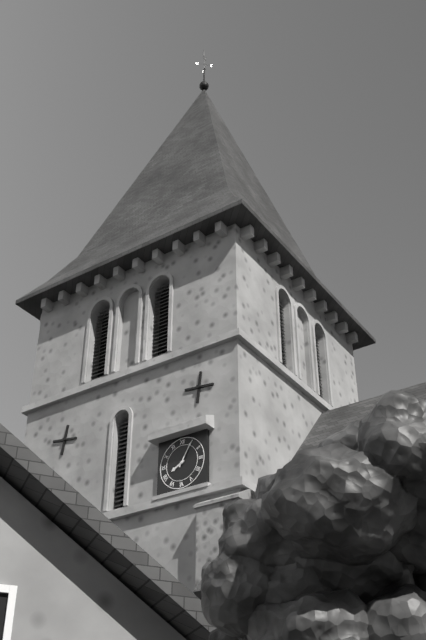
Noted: **8:05**
